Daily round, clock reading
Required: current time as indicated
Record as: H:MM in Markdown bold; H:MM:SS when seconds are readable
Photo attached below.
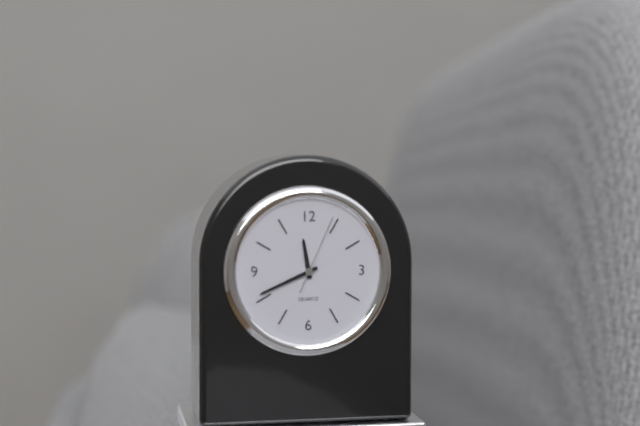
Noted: **11:41:04**
